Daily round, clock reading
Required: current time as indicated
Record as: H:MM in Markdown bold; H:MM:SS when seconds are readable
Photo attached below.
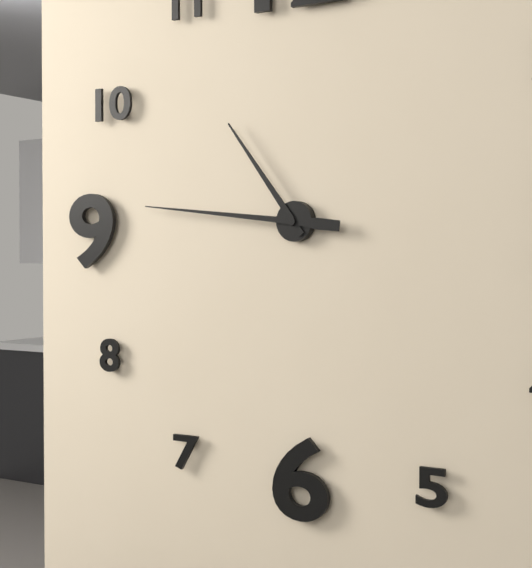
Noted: **10:46**
